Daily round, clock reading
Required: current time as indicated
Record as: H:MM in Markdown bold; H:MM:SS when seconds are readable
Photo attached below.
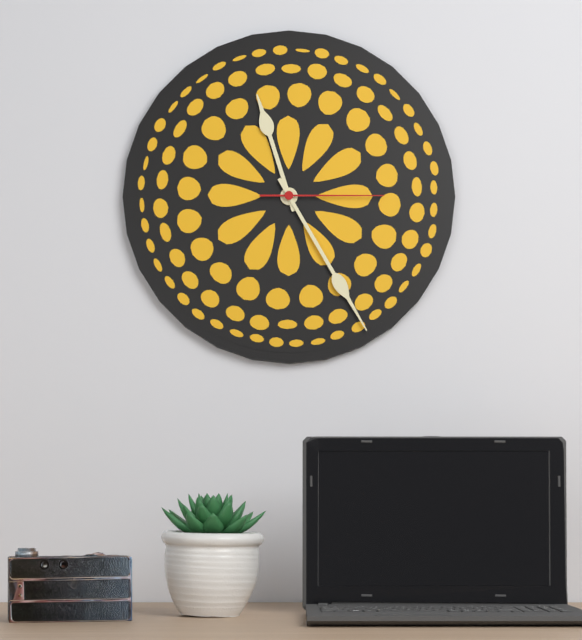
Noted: **11:25:15**
